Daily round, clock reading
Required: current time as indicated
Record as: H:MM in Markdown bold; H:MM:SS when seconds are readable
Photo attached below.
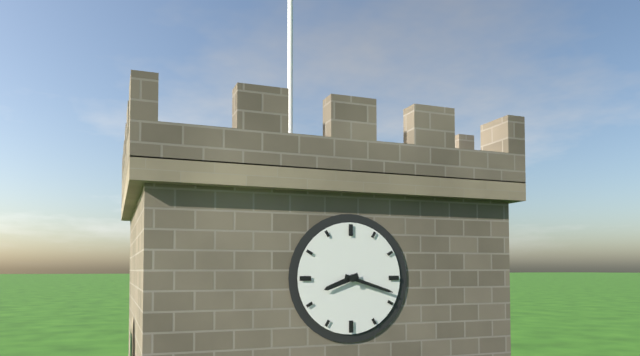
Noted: **8:18**
